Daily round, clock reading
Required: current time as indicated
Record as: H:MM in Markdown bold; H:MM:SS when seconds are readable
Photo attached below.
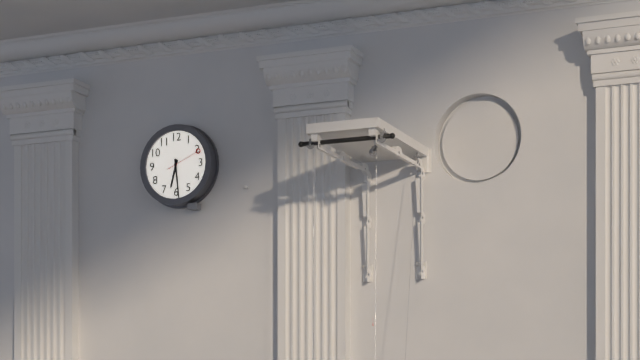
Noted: **6:29**
